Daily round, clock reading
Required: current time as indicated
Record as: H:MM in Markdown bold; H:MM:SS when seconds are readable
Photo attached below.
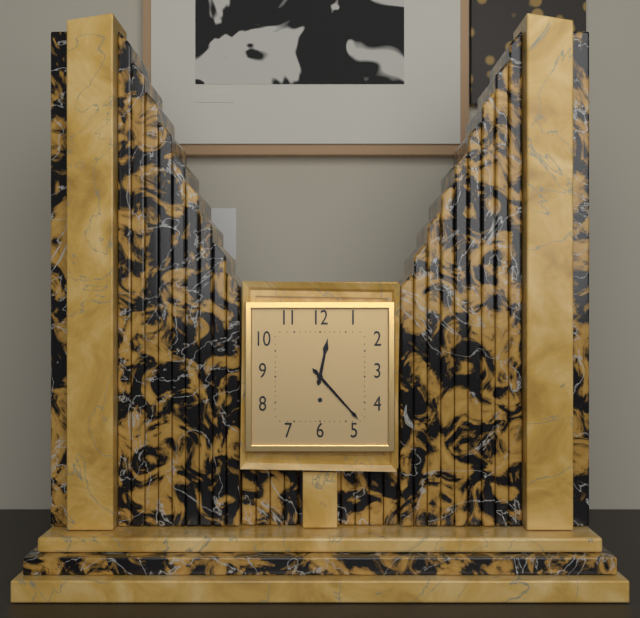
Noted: **12:23**
